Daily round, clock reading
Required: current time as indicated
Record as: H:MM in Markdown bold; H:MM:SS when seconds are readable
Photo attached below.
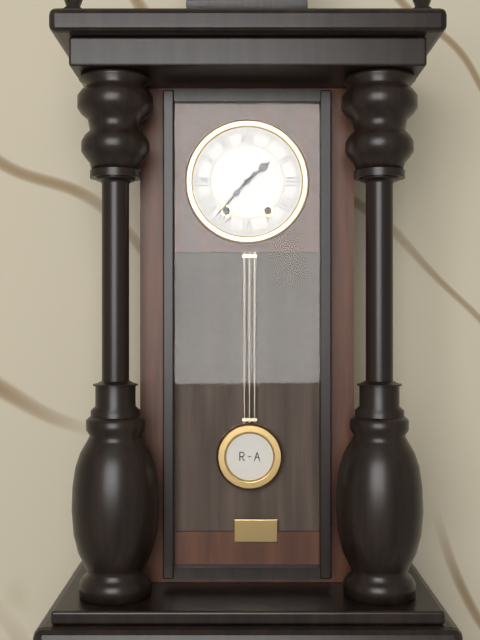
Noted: **1:37**
